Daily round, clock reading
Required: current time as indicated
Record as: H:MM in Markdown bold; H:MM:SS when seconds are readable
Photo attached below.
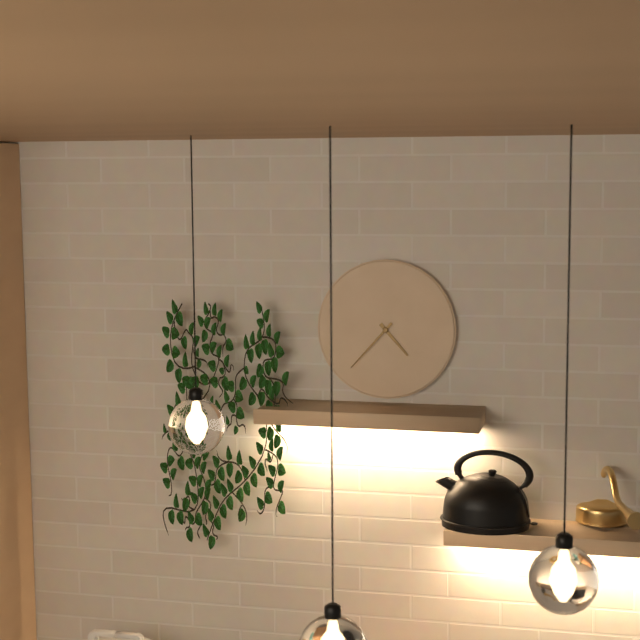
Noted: **4:37**
